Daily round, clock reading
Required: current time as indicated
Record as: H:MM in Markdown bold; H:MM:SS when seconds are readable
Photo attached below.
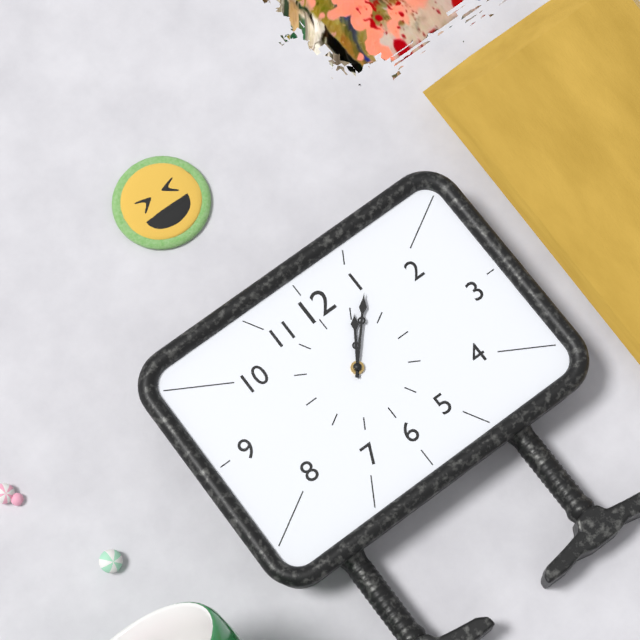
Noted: **1:07**
